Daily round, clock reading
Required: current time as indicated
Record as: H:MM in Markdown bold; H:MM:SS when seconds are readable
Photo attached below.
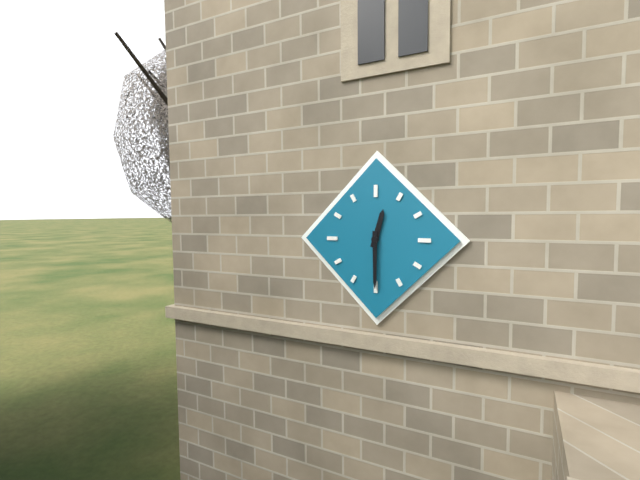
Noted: **12:30**
